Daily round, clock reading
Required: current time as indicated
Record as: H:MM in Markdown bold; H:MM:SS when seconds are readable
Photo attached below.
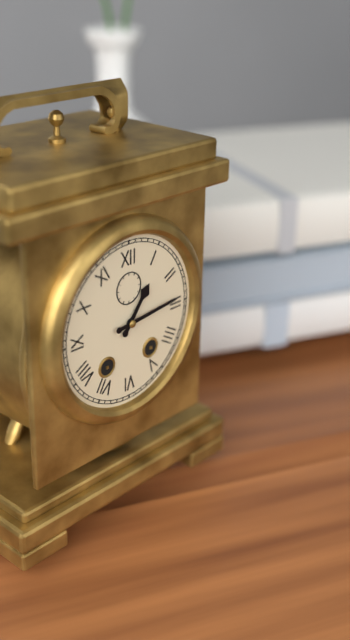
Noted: **1:14**
